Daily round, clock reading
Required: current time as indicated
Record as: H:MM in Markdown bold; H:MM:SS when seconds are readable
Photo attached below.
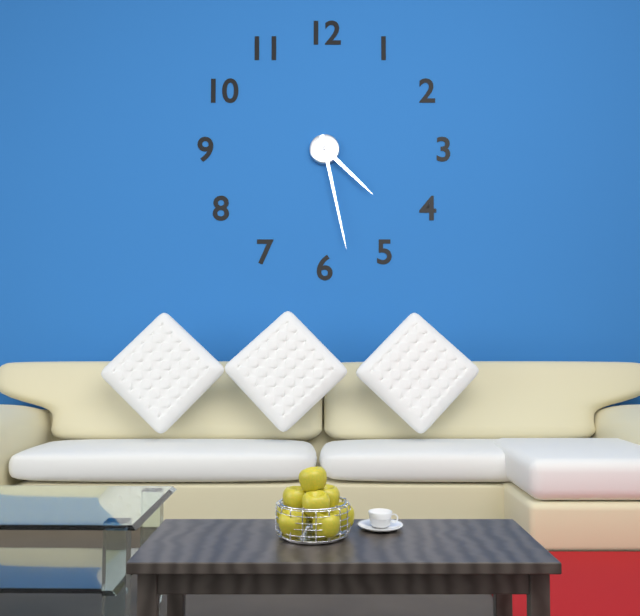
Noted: **4:28**
